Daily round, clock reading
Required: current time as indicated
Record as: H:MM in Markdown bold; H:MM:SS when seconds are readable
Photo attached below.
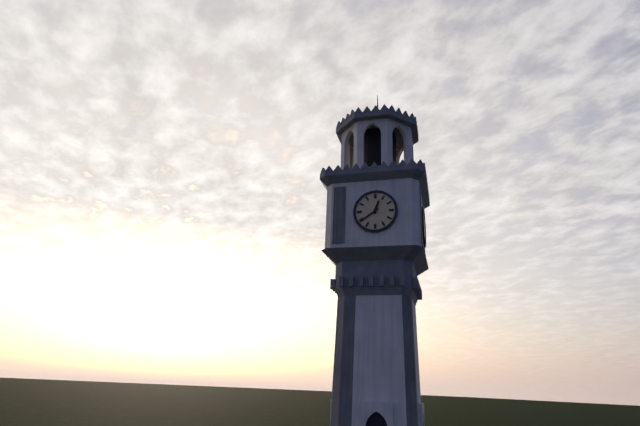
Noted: **12:39**
